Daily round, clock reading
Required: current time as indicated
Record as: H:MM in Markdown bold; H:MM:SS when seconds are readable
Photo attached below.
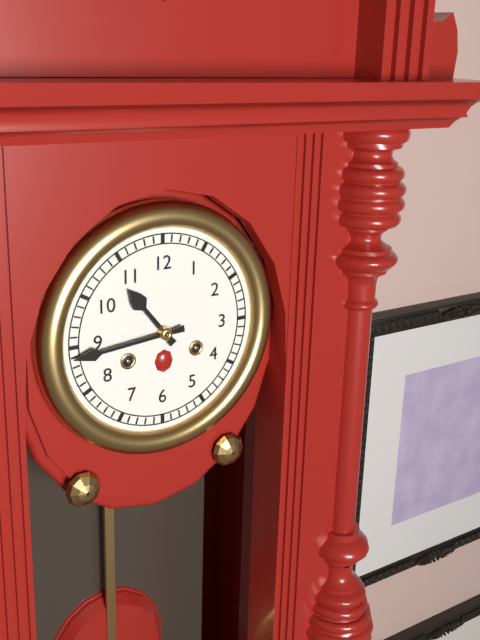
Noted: **10:44**
